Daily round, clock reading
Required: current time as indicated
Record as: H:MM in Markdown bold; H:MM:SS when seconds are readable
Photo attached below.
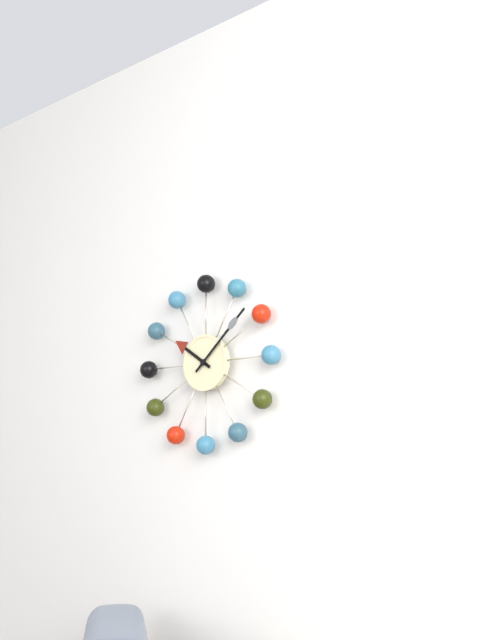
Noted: **10:08**
